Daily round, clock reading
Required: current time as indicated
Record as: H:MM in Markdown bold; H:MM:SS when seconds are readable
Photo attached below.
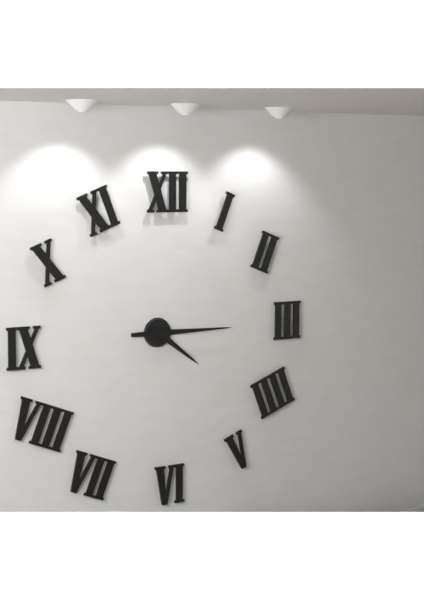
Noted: **4:15**
